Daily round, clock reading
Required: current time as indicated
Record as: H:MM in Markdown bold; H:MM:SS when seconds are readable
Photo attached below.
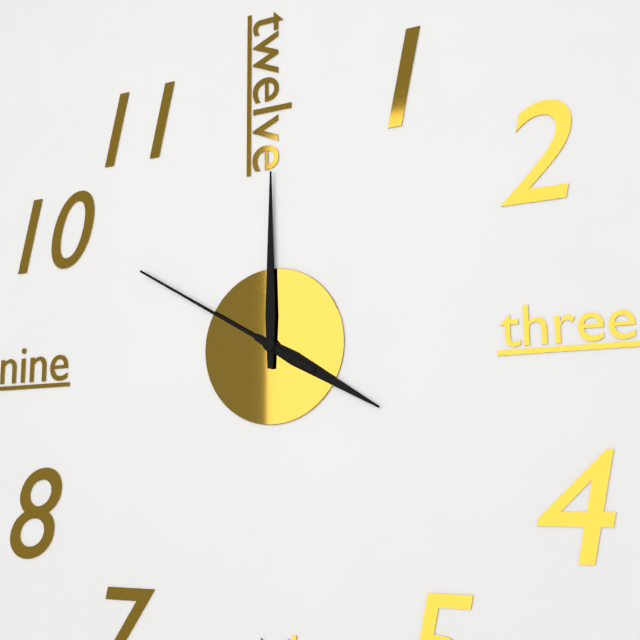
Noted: **4:00:50**
